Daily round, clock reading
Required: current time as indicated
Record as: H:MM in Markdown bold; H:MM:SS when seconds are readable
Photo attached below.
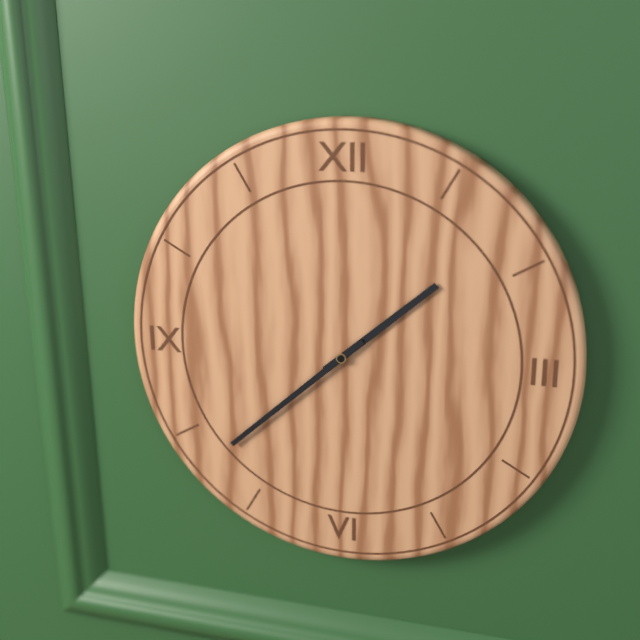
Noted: **1:38**
